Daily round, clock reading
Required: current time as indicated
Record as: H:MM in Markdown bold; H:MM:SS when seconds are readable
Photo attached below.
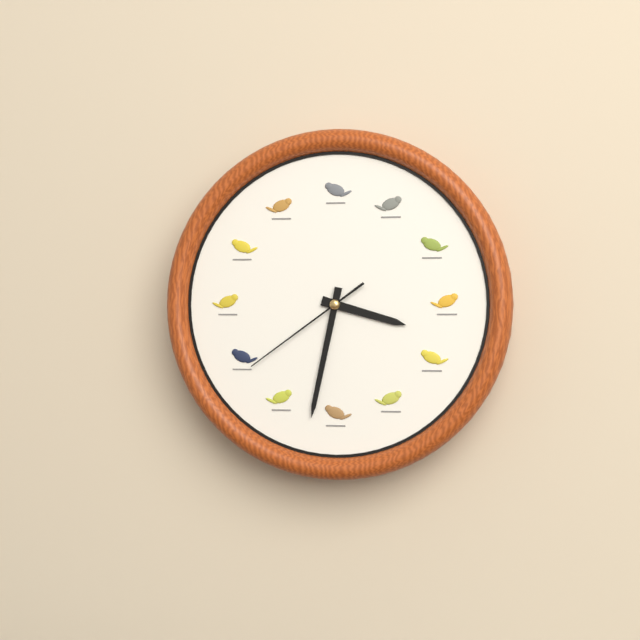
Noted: **3:32:39**
